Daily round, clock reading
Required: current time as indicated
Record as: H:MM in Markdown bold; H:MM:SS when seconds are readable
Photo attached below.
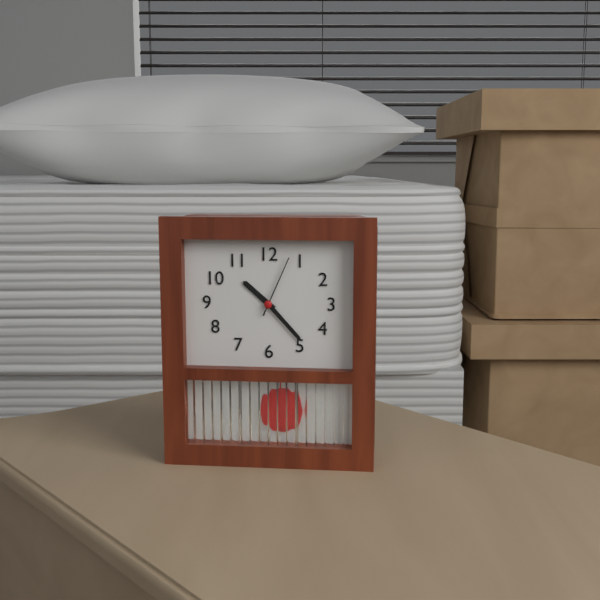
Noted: **10:23:04**
